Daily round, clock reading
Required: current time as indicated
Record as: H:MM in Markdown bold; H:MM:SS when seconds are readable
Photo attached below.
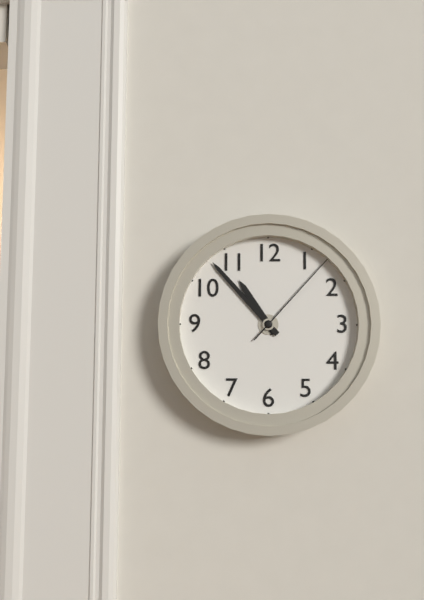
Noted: **10:53:07**
